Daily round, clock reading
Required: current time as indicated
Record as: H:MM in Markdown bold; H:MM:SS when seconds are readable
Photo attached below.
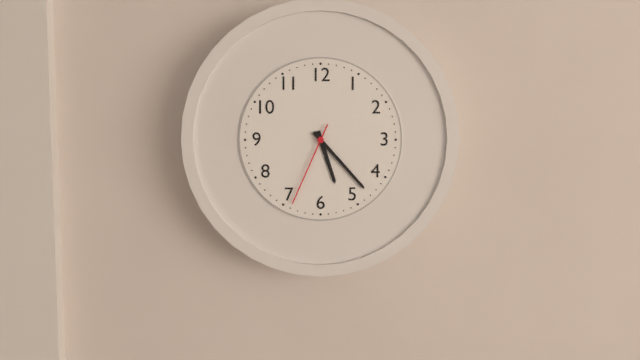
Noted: **5:23:34**
